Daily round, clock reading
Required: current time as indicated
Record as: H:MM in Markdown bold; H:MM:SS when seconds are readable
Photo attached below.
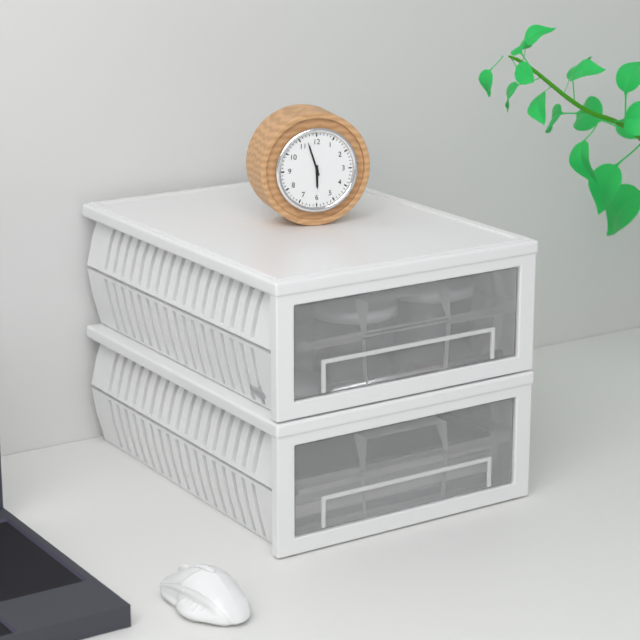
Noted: **5:57**
